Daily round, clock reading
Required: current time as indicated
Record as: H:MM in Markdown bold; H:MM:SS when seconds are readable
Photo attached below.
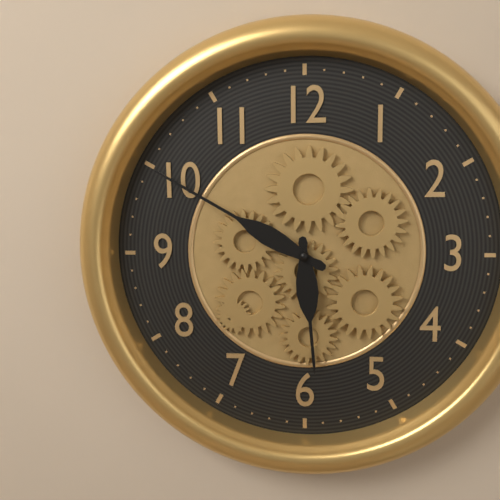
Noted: **5:50**
